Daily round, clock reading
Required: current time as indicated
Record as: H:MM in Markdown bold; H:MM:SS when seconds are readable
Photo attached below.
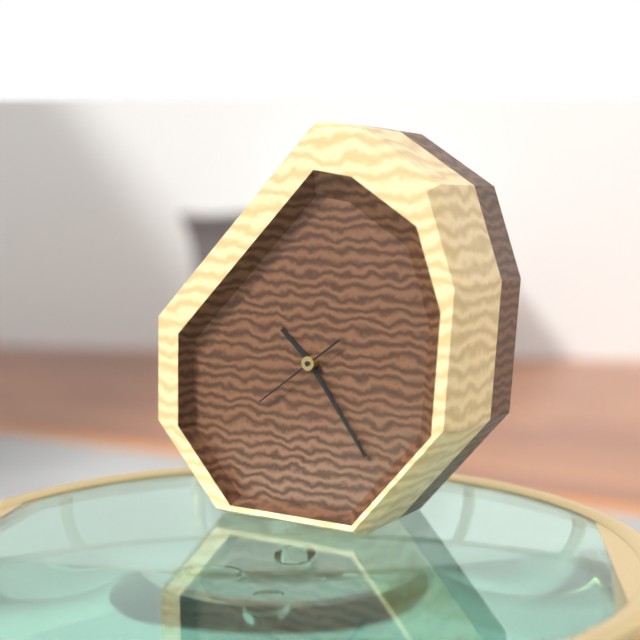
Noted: **10:24:39**
